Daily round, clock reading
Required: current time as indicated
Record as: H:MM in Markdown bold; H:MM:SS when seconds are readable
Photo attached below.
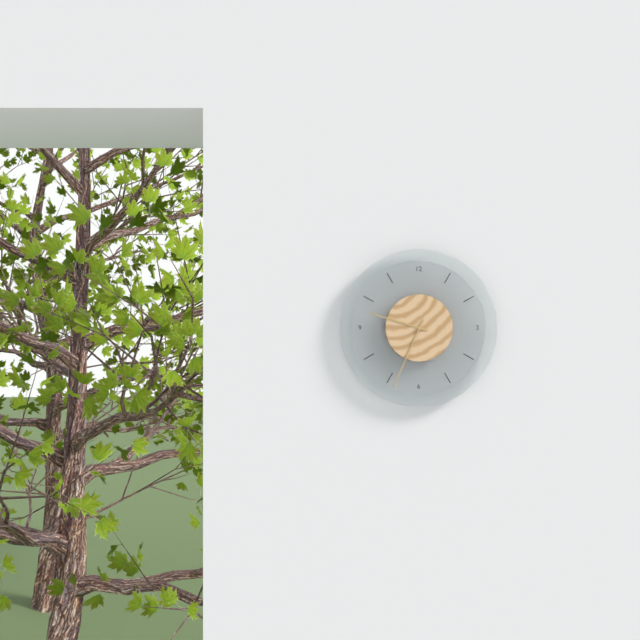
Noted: **9:34**
